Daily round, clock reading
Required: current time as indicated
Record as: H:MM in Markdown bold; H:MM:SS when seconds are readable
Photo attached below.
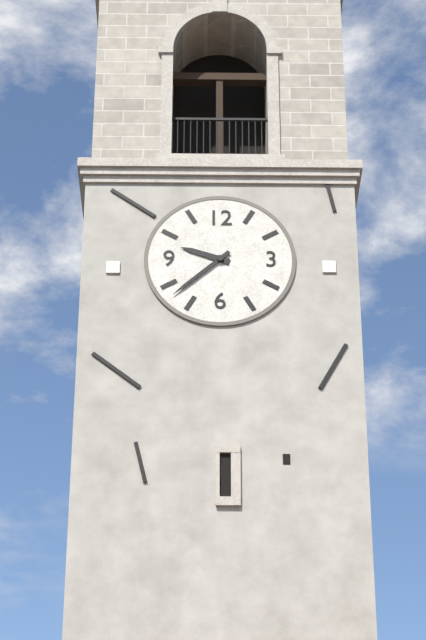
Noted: **9:38**
